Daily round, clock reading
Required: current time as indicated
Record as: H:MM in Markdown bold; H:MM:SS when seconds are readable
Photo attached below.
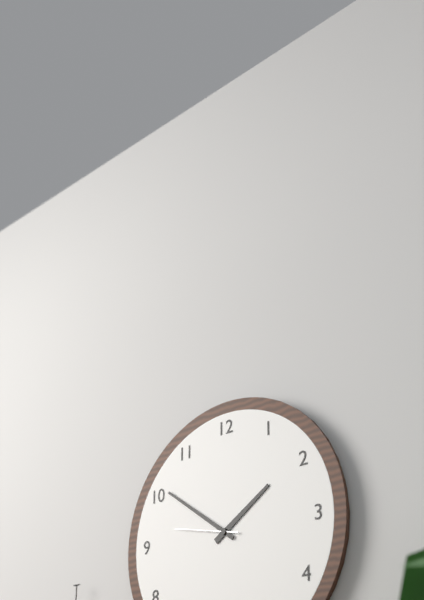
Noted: **1:51:47**
